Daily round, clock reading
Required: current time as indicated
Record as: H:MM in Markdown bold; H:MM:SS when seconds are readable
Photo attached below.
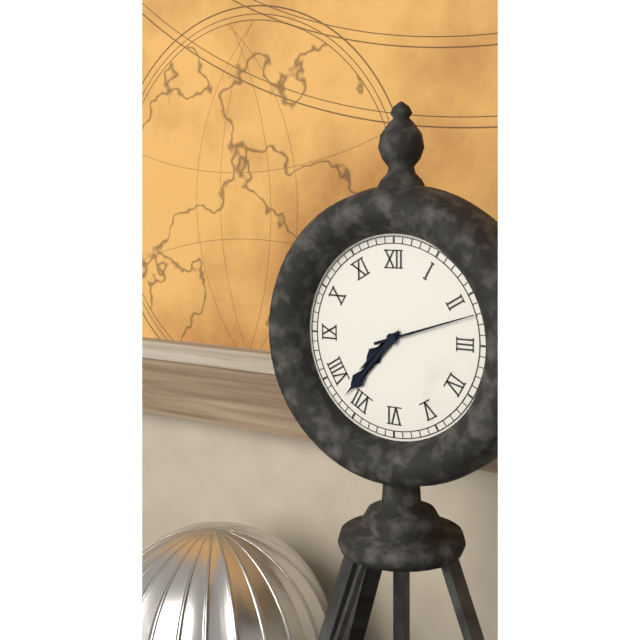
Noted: **7:37:12**
